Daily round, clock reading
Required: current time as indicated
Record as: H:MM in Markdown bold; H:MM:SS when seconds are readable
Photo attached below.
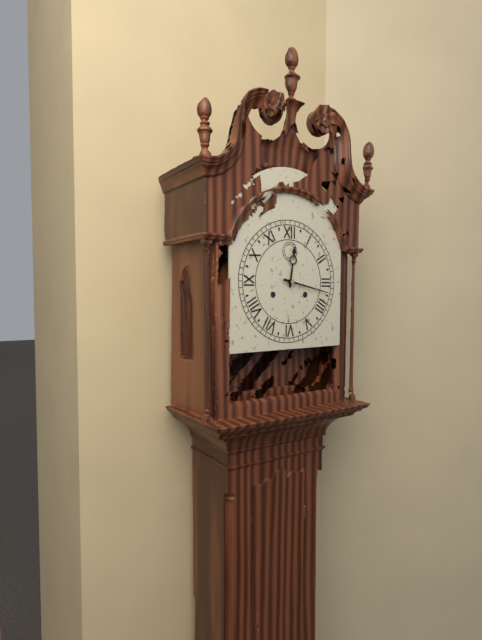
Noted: **12:17**
